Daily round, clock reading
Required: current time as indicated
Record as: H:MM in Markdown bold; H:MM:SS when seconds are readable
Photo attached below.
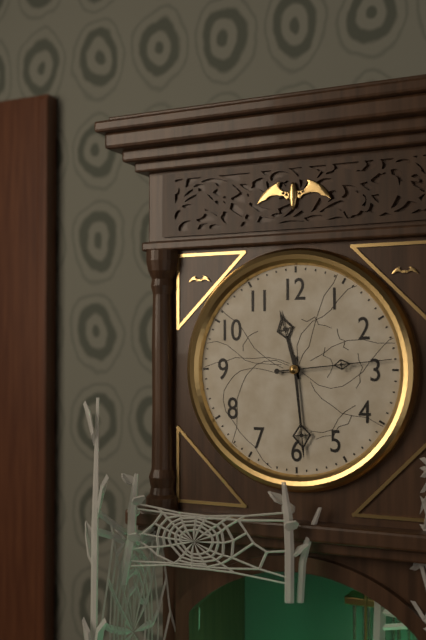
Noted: **11:29:14**
